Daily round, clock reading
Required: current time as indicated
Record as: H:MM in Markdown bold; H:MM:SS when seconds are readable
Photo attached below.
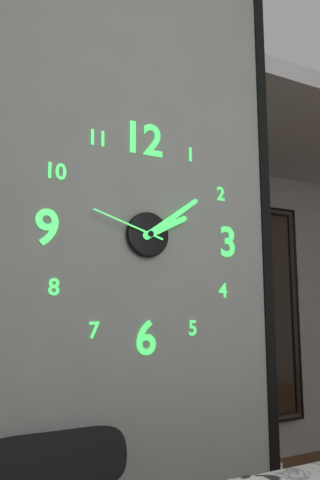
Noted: **2:09:48**
